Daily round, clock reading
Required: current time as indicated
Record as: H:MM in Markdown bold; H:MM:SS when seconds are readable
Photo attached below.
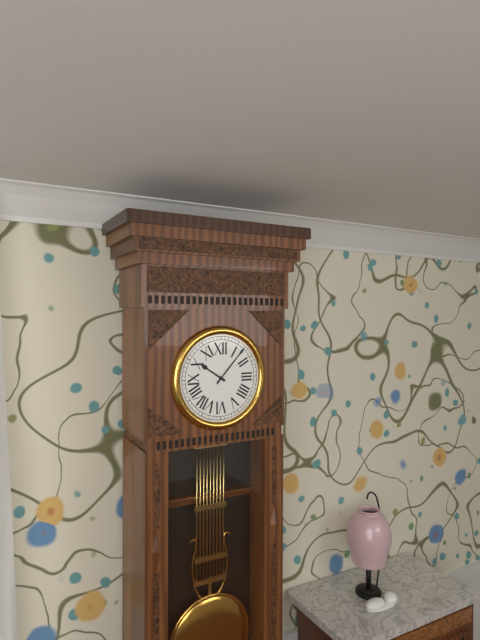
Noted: **10:07**
